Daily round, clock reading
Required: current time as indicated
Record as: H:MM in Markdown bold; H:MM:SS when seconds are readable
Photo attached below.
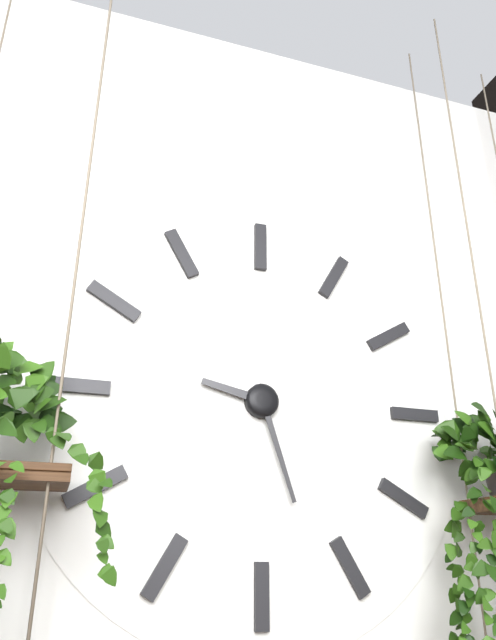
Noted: **9:27**
